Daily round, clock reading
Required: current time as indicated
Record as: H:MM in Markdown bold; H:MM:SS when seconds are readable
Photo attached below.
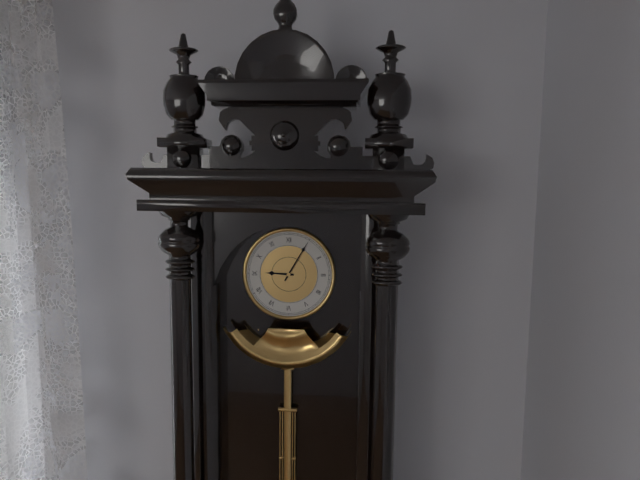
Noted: **9:05**
